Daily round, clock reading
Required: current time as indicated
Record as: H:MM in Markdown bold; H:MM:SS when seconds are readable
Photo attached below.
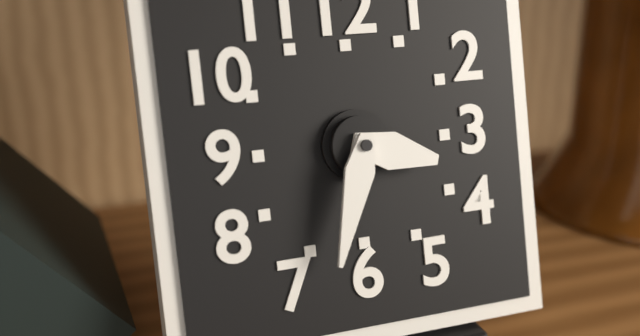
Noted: **3:33**
